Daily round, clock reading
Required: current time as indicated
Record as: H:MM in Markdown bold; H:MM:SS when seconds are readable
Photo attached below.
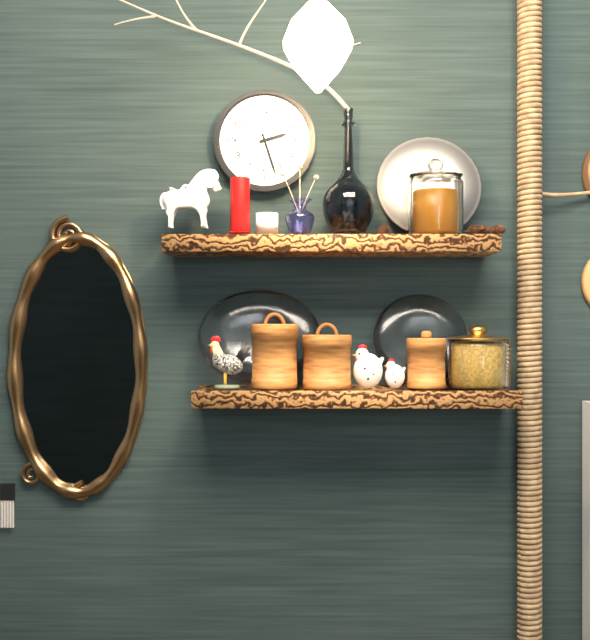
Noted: **2:27**
